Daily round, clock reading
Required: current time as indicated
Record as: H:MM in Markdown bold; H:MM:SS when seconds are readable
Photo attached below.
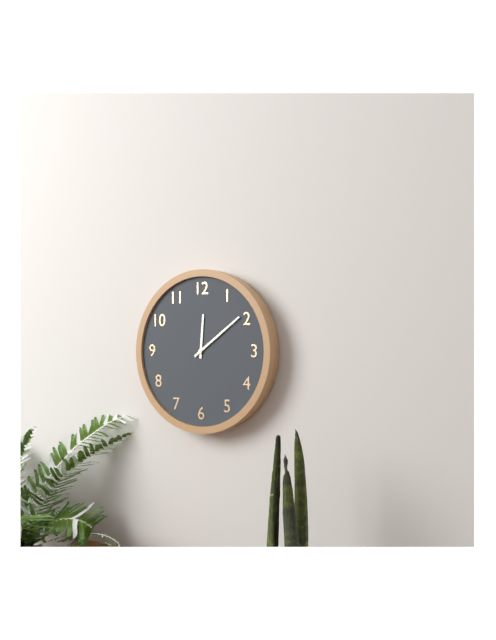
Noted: **12:09**
